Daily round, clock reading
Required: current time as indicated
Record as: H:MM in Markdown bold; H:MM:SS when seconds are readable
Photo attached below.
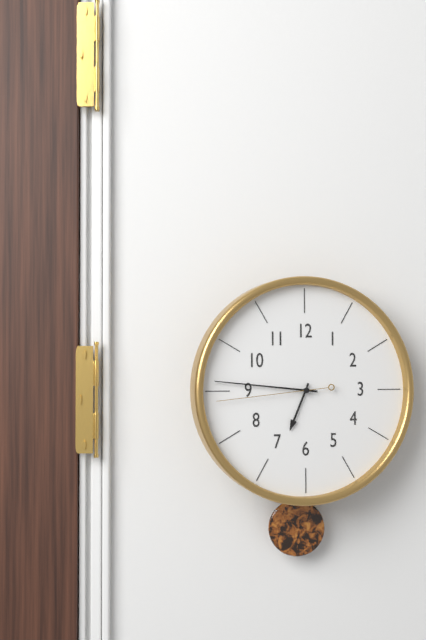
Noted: **6:46:44**
